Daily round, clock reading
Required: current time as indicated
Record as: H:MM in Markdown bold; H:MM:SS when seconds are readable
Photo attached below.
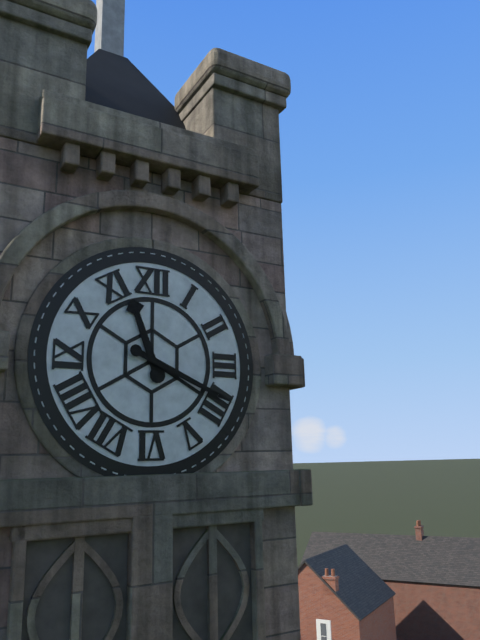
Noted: **11:19**
